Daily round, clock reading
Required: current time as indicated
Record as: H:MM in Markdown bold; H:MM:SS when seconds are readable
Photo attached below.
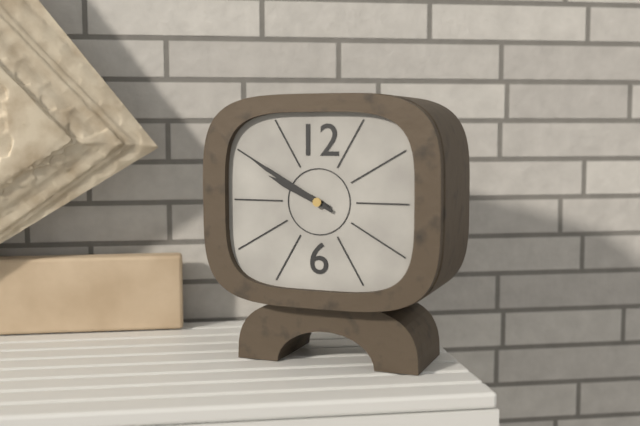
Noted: **9:50**
